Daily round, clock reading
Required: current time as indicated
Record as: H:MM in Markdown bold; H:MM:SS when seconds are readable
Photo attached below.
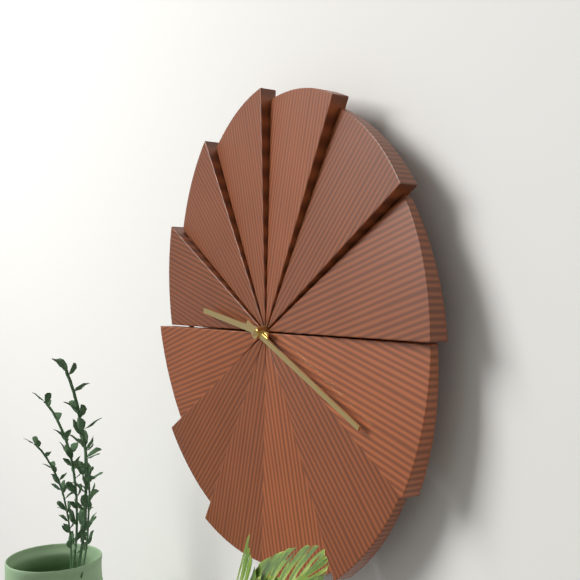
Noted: **9:19**
